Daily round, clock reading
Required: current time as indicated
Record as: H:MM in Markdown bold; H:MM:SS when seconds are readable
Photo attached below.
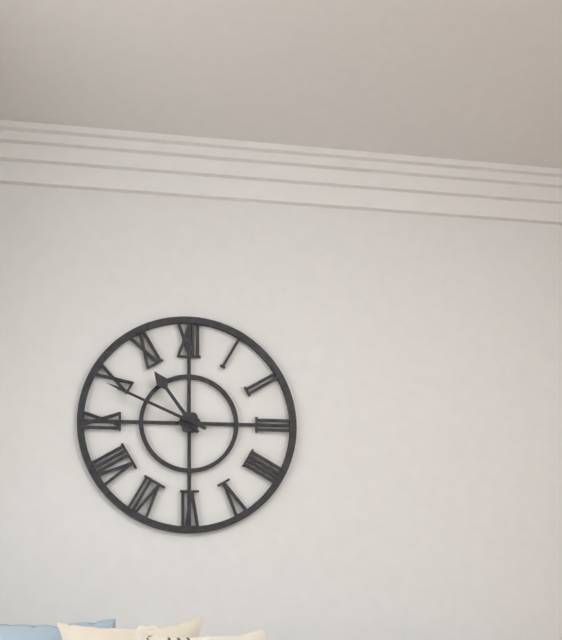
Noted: **10:49**
